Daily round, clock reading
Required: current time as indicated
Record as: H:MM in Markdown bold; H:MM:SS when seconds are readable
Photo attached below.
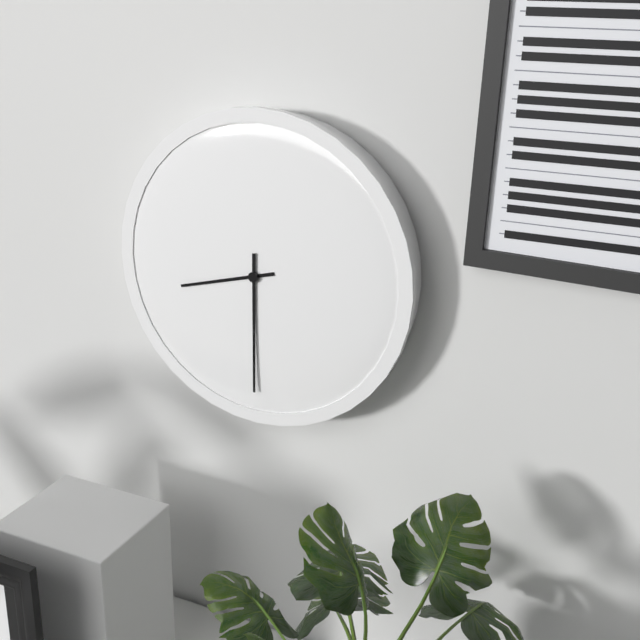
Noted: **8:30**
